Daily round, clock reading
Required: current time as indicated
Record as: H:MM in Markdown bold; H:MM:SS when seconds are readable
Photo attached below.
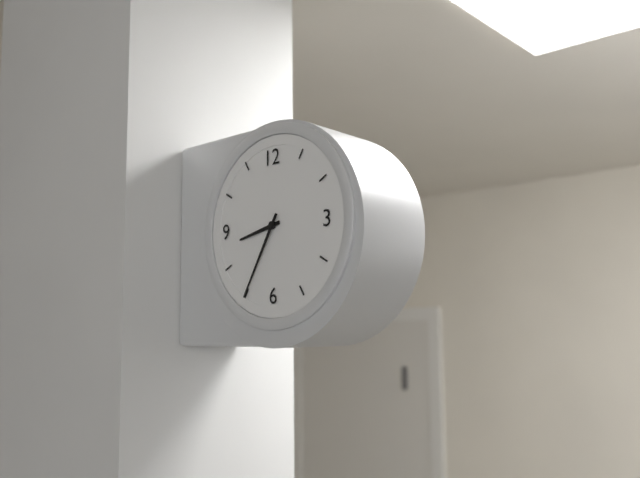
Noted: **8:35**
